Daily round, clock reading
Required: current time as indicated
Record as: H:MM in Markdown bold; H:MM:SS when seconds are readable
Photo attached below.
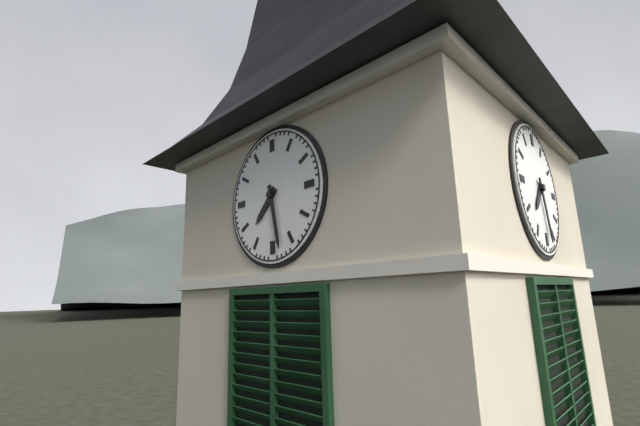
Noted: **7:28**
